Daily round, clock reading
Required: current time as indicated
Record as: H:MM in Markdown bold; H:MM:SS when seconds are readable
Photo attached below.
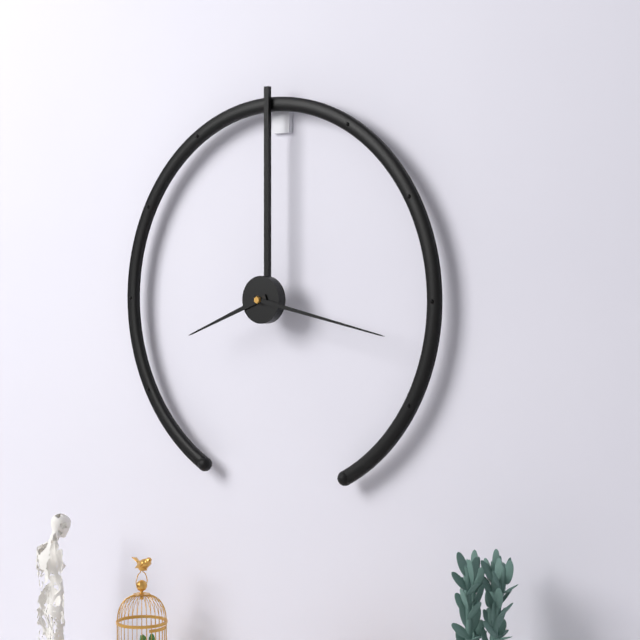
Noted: **8:17**
